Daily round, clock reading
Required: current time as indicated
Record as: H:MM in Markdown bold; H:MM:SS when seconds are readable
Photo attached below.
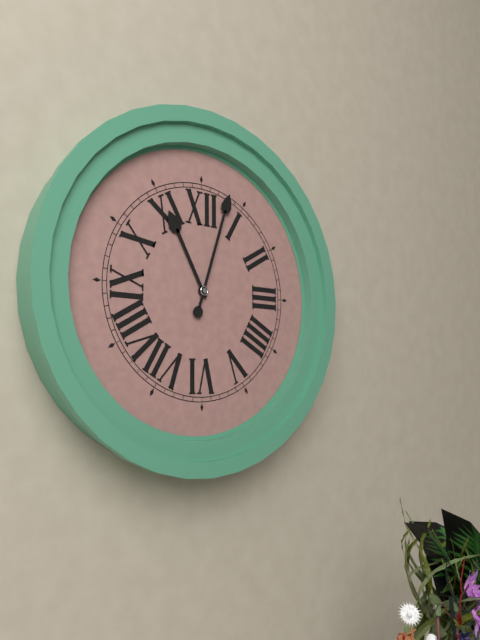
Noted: **11:03**
